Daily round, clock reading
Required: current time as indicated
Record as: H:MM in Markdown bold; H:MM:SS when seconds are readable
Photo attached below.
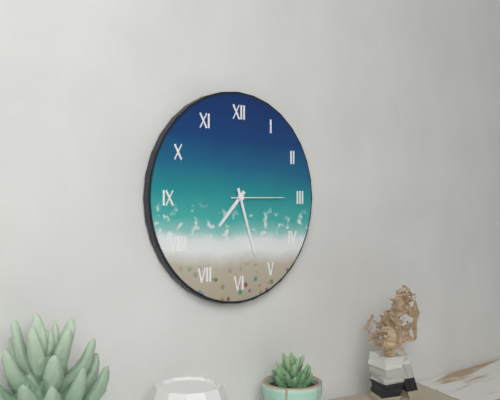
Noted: **7:27:15**
